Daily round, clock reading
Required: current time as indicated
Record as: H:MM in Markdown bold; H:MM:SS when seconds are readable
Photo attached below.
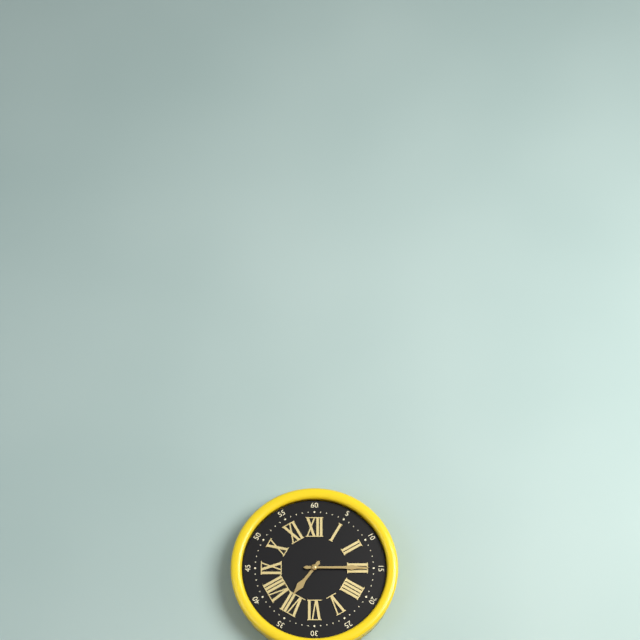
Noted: **7:15**
